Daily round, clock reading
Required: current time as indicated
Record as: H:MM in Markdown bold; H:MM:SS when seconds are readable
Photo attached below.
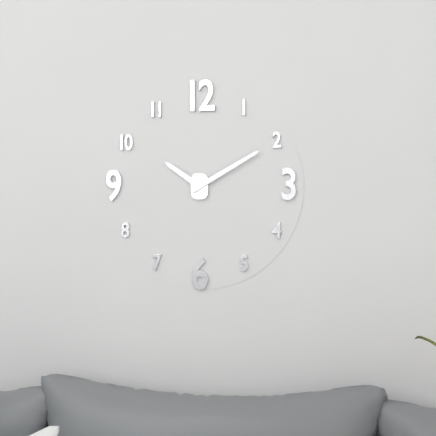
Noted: **10:10**
